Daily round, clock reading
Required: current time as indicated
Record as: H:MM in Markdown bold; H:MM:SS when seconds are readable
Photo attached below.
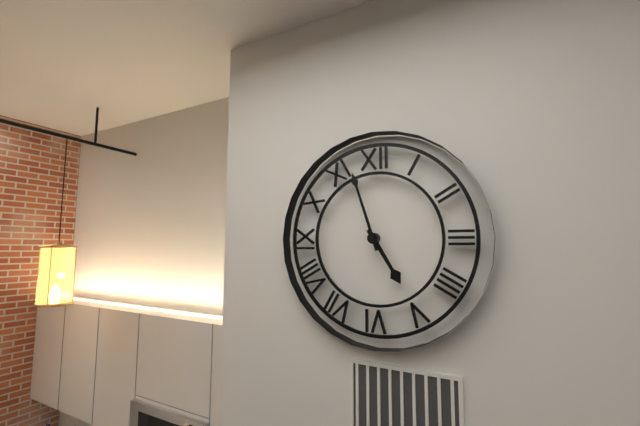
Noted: **4:57**
